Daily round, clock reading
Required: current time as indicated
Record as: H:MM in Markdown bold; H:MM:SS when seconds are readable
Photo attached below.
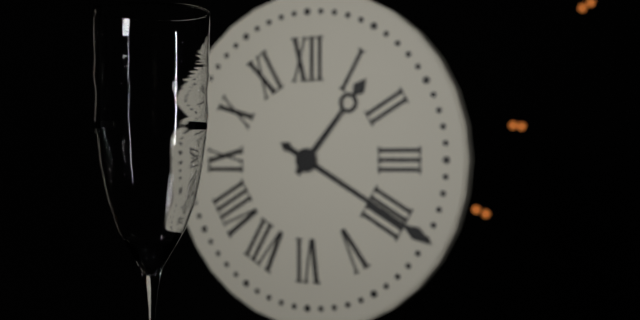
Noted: **1:20**
